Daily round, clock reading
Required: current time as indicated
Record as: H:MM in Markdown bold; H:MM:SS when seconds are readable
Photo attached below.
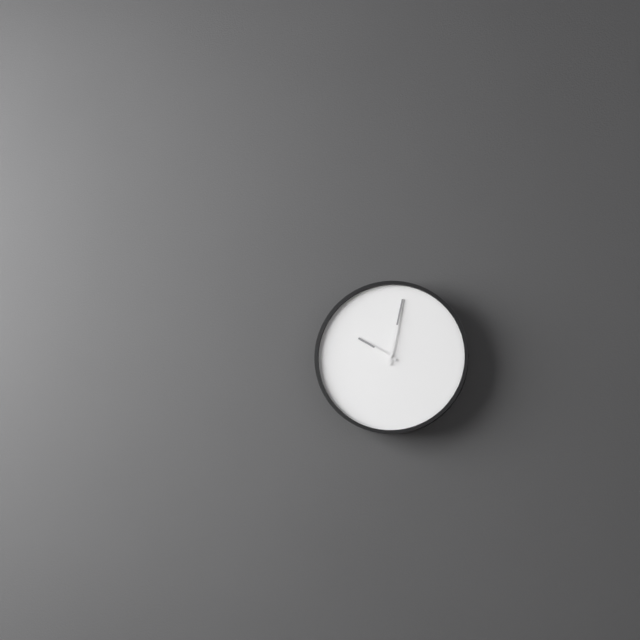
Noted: **10:02**
